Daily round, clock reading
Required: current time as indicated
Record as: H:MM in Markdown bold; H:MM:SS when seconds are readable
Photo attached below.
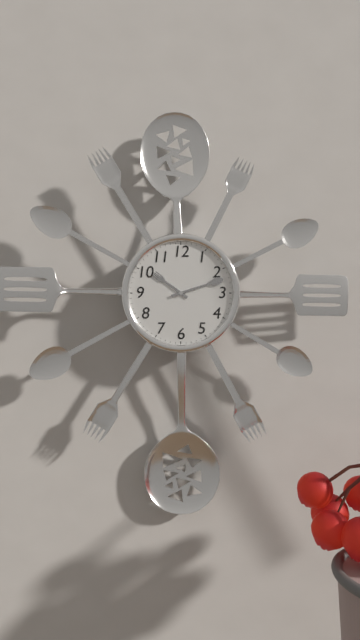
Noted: **10:12**
